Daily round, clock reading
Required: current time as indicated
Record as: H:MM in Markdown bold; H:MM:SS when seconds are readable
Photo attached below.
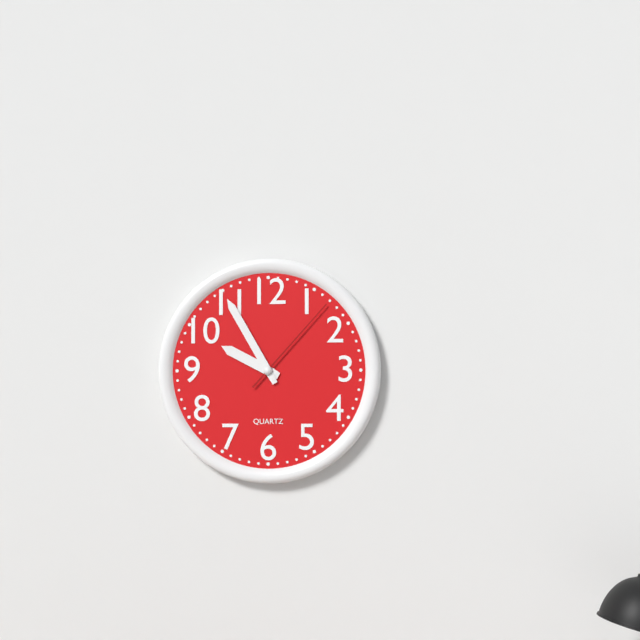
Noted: **9:55:07**
